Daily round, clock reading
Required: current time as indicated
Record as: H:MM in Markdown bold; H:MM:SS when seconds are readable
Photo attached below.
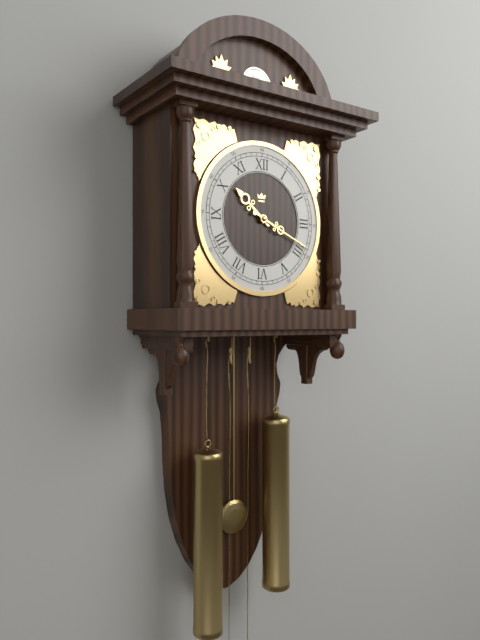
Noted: **10:19**
